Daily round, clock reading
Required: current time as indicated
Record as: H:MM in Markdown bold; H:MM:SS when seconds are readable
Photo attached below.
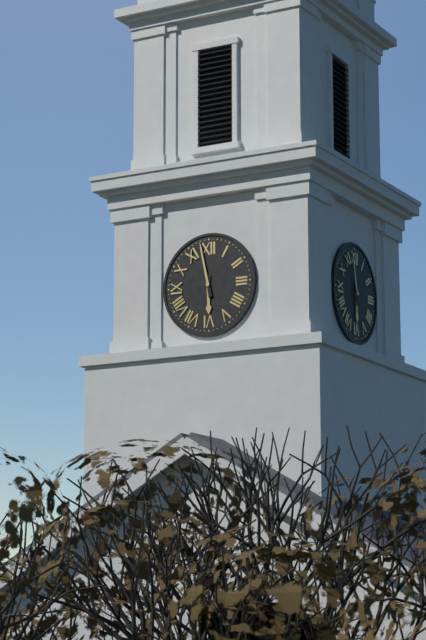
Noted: **5:58**
